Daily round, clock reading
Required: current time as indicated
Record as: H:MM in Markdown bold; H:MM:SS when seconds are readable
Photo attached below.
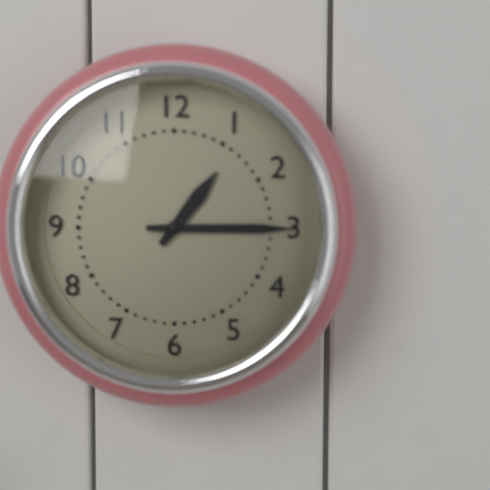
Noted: **1:15**
